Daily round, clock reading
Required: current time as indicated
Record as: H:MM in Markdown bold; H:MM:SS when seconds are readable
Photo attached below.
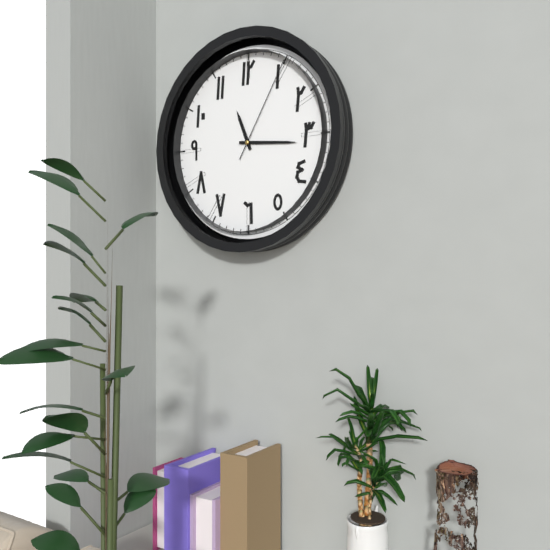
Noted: **11:16:05**
